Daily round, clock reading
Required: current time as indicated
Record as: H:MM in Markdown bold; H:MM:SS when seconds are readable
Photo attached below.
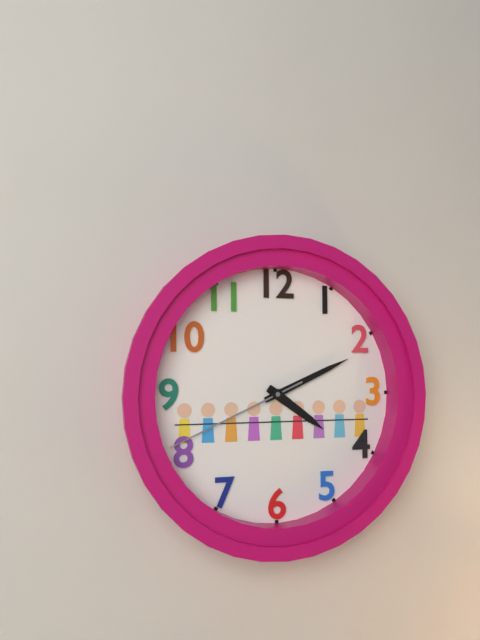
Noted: **4:11:41**
